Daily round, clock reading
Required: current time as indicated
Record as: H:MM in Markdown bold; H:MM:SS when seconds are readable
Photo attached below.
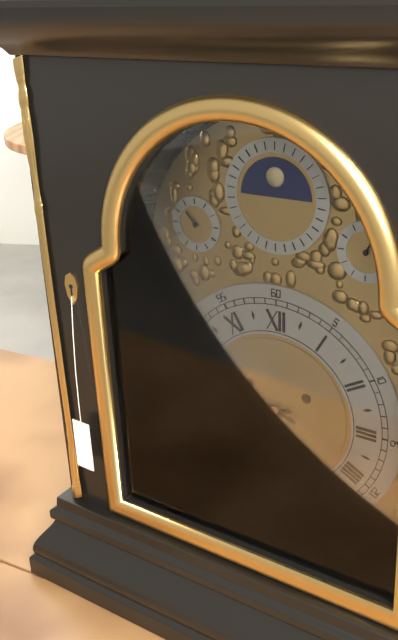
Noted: **8:48**
